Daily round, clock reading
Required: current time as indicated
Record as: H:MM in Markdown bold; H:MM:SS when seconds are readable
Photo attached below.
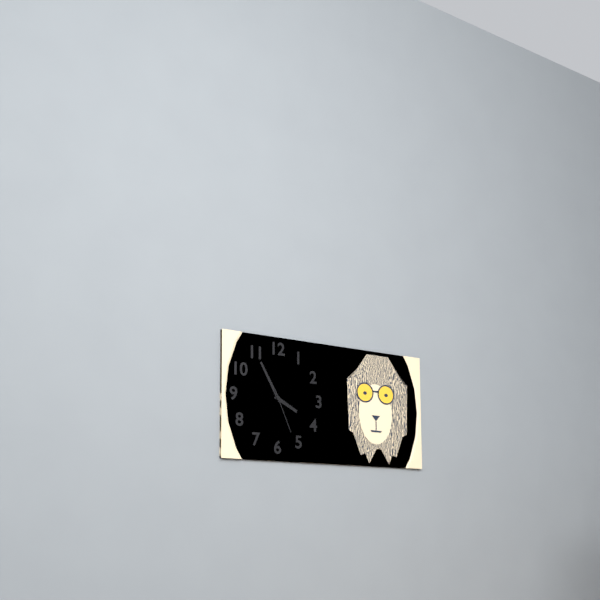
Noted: **3:55**
